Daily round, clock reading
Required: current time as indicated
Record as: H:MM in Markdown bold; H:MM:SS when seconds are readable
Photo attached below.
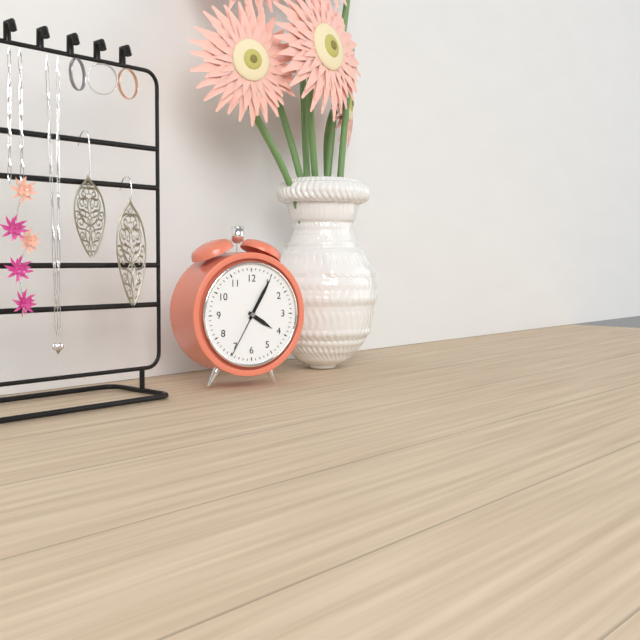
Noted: **4:05:35**
